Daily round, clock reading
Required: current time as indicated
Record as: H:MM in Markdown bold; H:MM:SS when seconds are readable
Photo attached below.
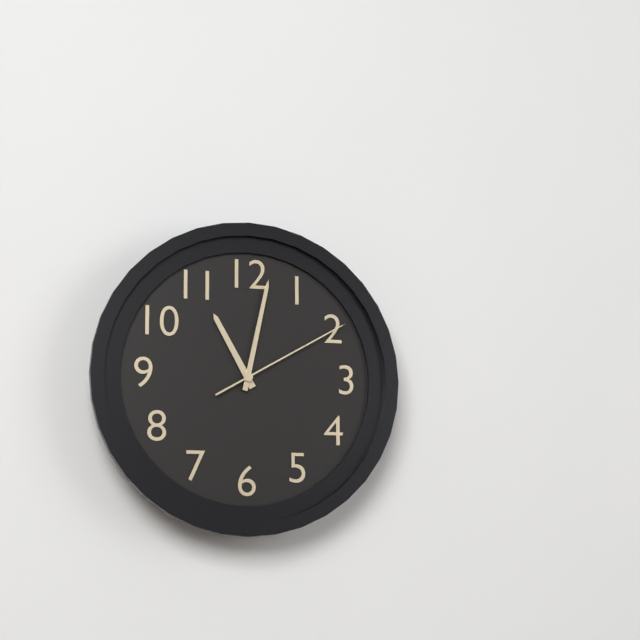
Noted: **11:02:10**
